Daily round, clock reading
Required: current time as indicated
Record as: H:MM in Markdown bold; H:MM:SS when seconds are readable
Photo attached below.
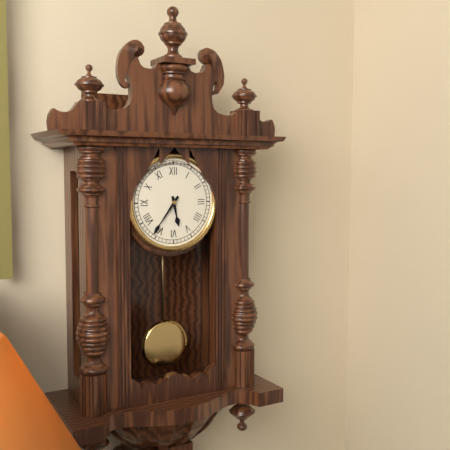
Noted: **5:36**
